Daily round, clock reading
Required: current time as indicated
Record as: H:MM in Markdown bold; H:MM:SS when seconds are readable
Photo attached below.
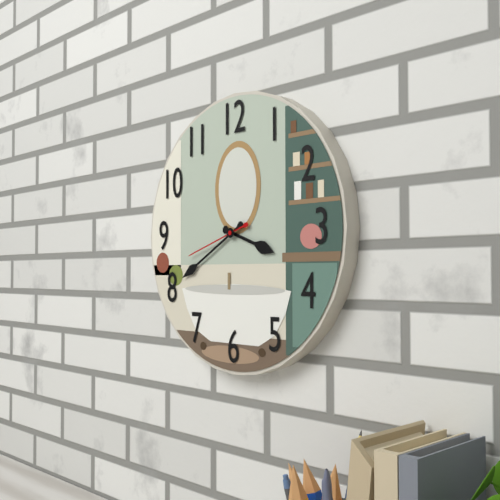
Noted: **3:40:42**
